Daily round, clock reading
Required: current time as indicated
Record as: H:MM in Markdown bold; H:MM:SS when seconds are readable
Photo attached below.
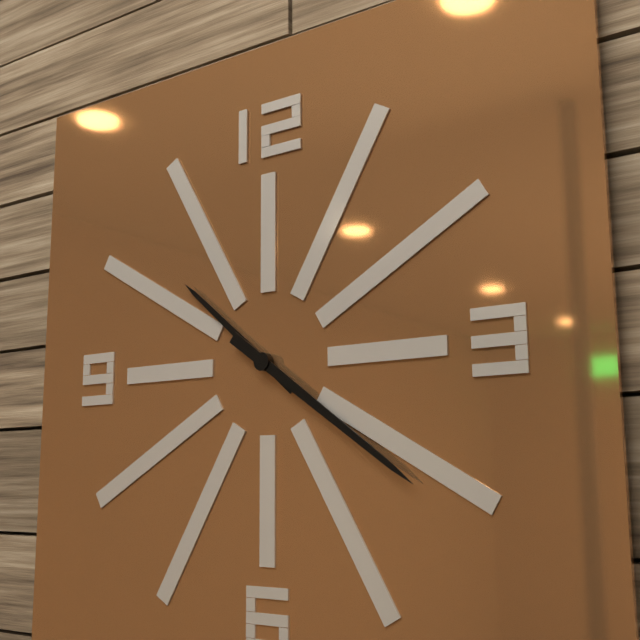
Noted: **10:21**
